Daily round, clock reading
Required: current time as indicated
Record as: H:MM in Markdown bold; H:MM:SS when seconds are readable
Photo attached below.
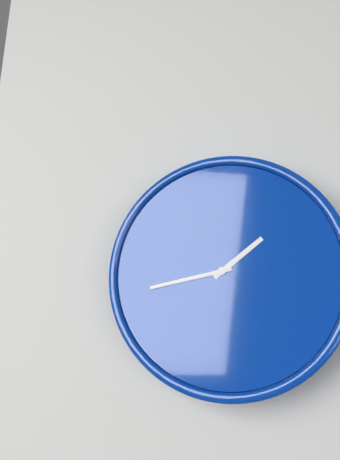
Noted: **1:43**
